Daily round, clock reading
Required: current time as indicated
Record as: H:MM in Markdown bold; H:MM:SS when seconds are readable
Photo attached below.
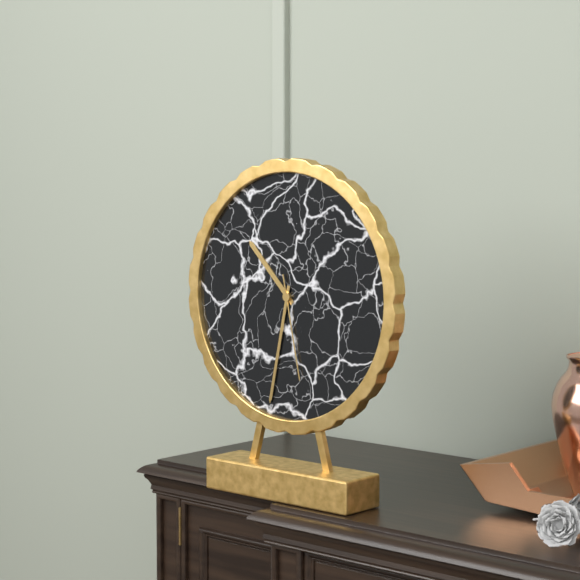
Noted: **10:32:28**
